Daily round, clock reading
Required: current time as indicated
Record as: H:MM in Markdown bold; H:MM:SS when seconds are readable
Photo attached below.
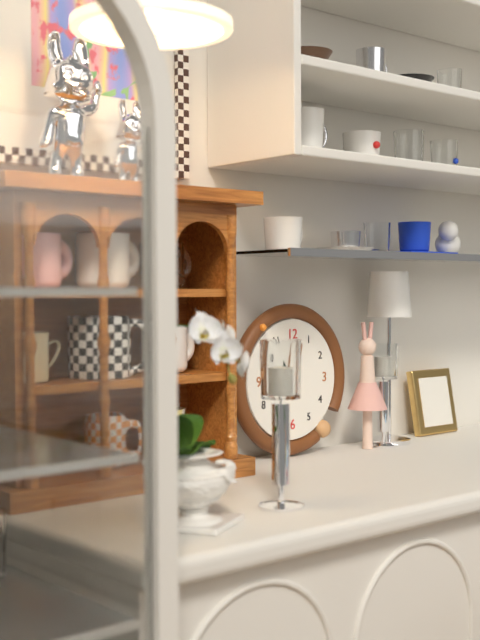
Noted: **11:03**
